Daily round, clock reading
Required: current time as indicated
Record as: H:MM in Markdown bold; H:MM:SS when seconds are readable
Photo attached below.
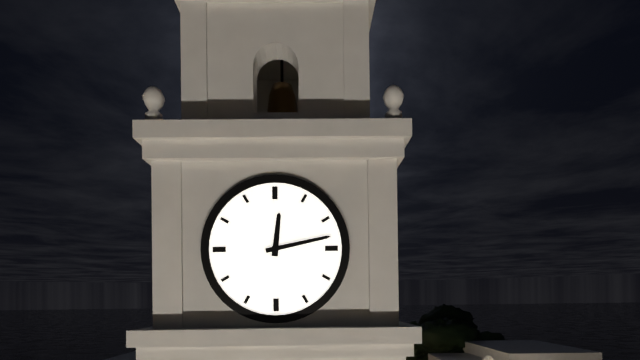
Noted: **12:13**
